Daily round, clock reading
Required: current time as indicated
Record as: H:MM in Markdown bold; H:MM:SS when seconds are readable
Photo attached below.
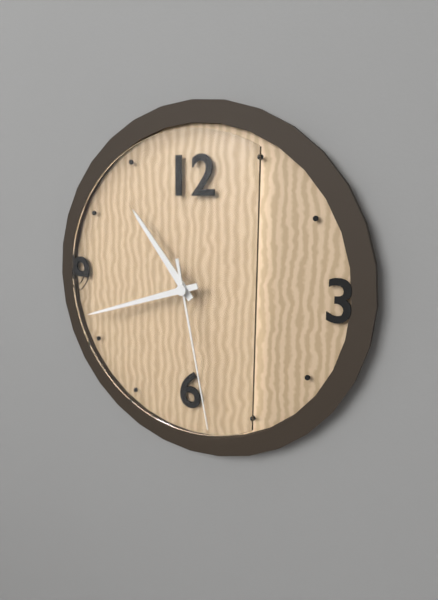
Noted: **10:42:28**
